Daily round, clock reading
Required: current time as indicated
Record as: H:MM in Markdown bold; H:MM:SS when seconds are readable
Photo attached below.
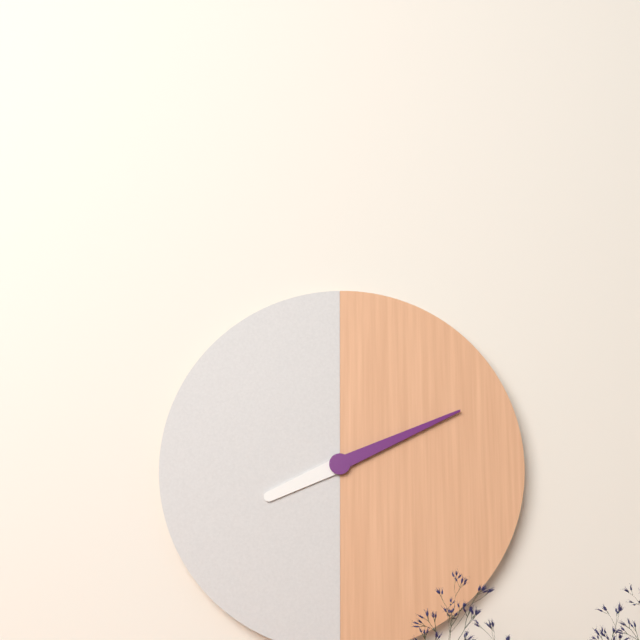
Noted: **8:11**
